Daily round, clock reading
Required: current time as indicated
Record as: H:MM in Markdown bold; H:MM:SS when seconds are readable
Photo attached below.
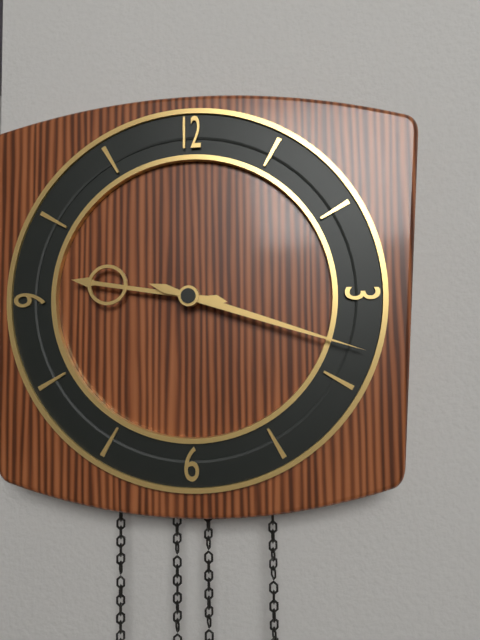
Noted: **9:18**
